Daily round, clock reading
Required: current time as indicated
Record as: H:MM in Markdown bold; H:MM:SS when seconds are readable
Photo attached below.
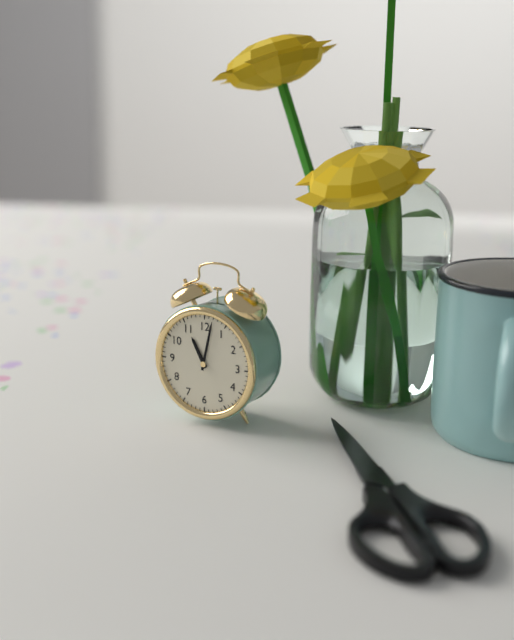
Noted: **11:02**
